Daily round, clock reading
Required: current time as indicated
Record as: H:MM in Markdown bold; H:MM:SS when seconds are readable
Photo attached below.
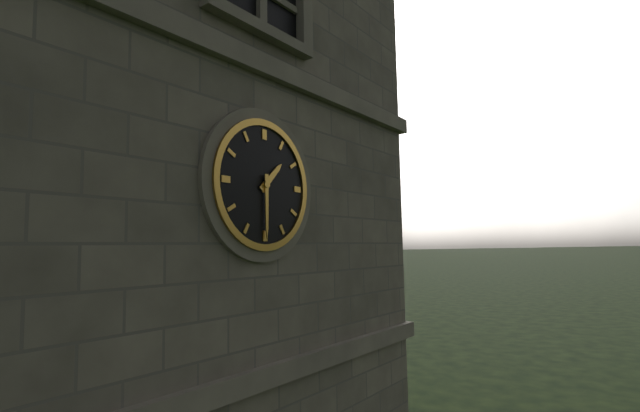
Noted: **1:30**
